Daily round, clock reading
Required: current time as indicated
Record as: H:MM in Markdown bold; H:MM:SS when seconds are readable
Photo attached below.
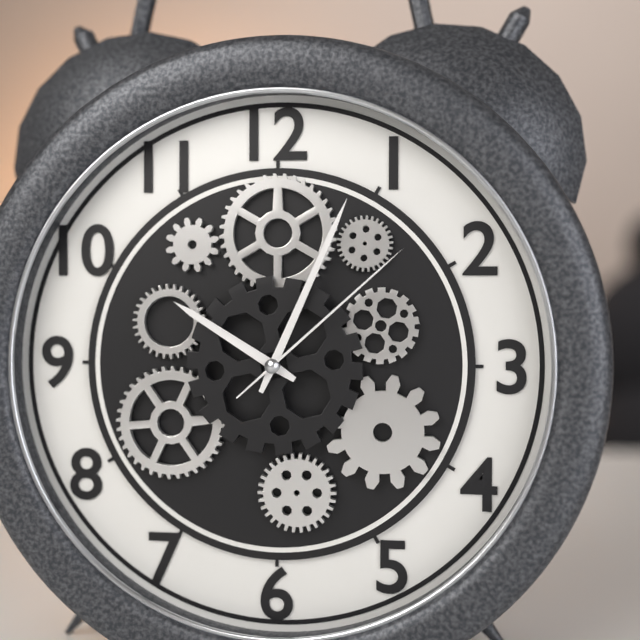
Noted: **10:04:08**
